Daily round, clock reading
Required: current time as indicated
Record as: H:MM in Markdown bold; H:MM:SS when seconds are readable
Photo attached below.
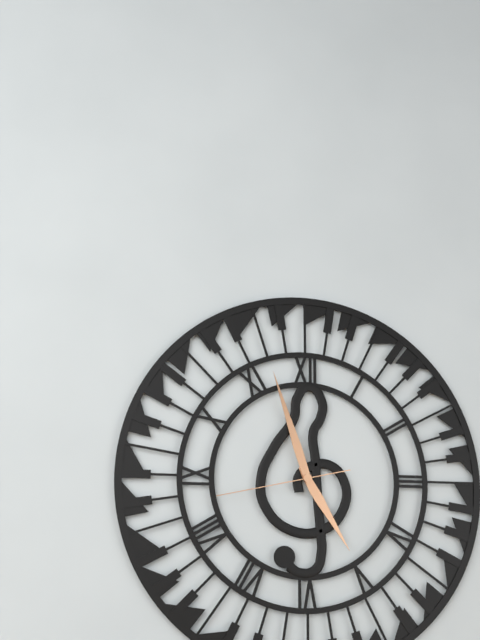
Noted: **4:57:43**
